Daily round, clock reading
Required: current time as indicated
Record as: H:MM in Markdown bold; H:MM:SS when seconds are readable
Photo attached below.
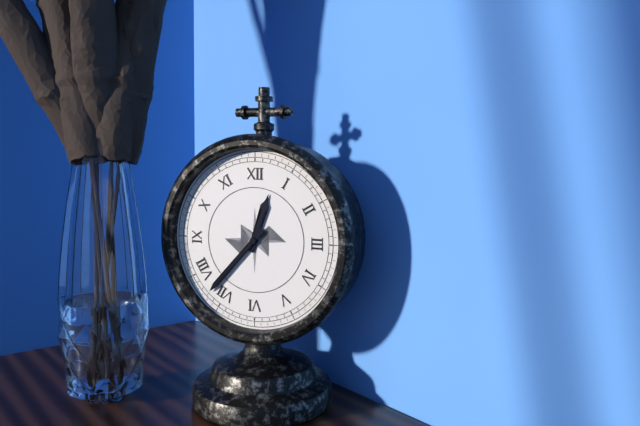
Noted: **12:37**
